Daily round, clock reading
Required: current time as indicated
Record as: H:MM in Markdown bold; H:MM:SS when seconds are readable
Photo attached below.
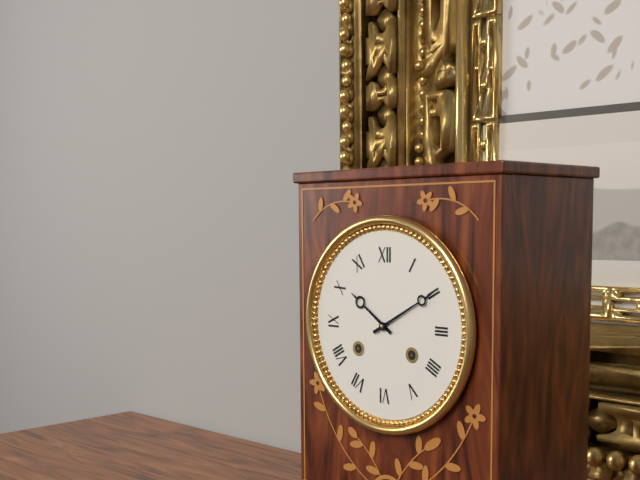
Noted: **10:10**
